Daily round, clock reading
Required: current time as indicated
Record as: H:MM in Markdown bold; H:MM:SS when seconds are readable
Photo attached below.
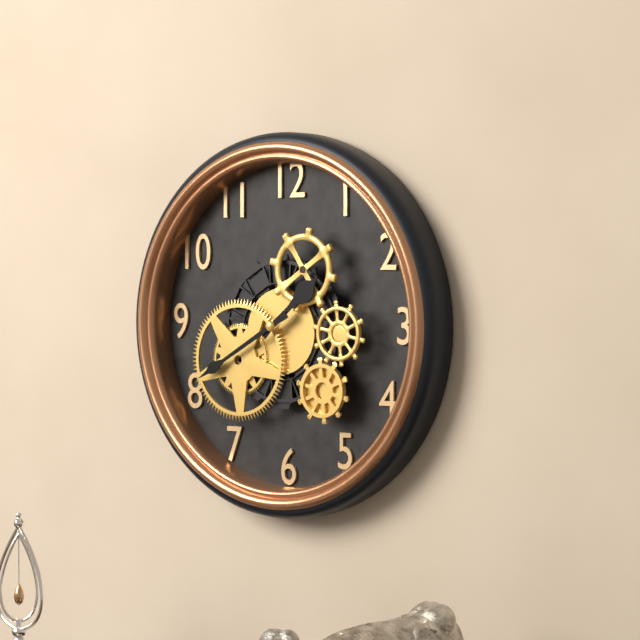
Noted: **1:40**
